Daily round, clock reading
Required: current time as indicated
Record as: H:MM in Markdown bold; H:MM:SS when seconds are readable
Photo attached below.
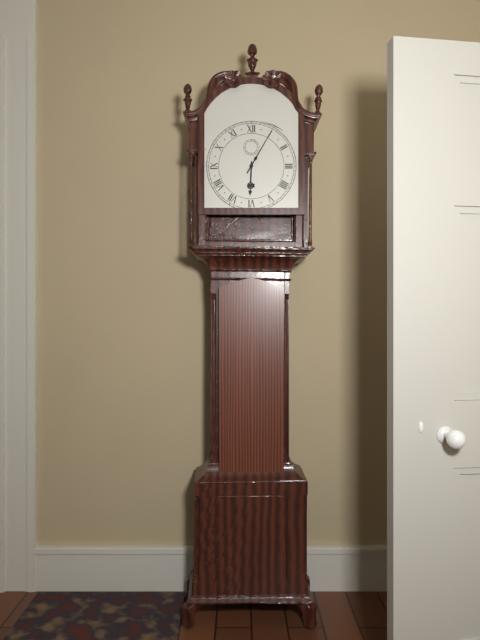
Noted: **6:05**
